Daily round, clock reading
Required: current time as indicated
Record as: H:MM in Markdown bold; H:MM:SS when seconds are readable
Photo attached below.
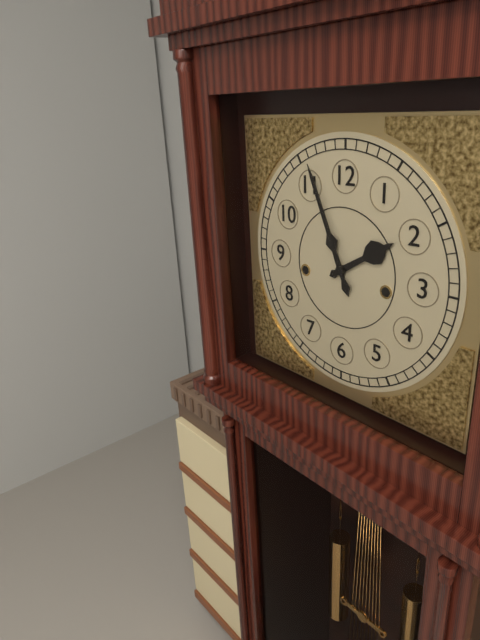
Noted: **1:56**
